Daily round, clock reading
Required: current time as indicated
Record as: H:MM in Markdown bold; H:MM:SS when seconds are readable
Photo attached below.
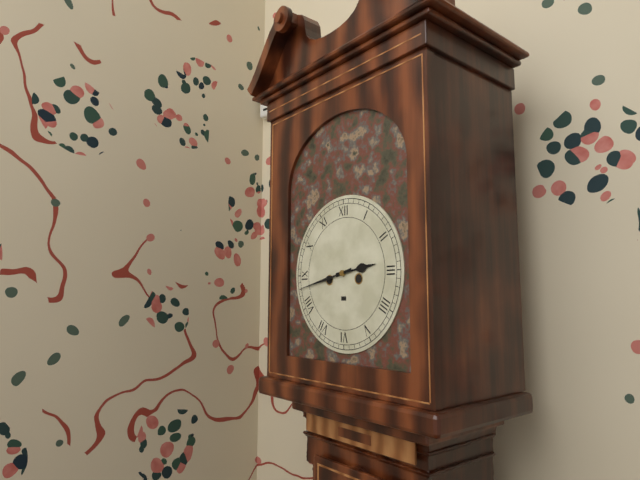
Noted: **2:43**
